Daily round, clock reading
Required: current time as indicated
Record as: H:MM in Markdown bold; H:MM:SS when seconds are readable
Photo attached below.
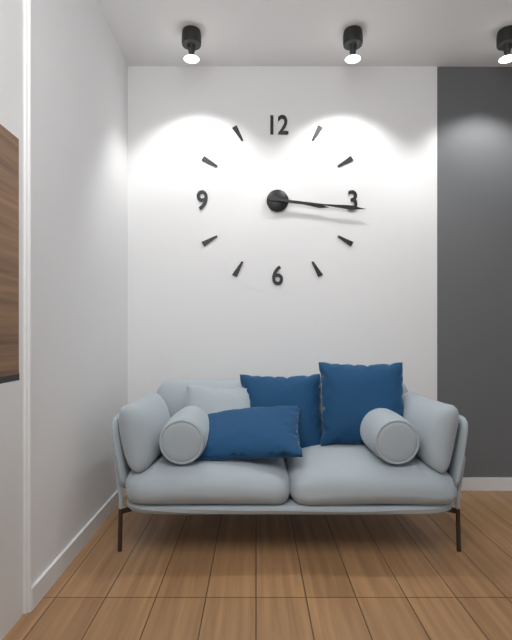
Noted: **3:16**
